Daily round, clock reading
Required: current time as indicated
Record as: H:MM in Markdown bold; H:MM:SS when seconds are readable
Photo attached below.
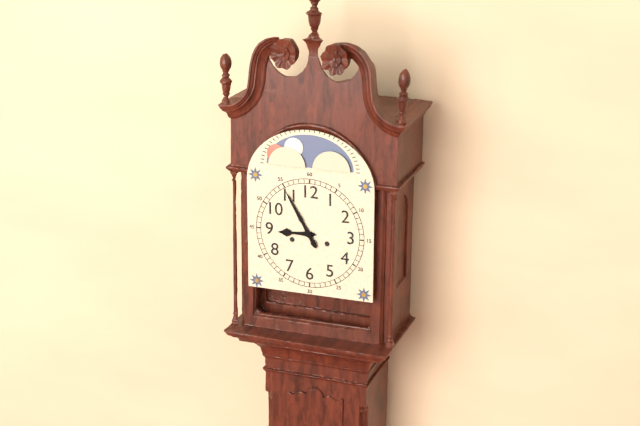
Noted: **8:55**
